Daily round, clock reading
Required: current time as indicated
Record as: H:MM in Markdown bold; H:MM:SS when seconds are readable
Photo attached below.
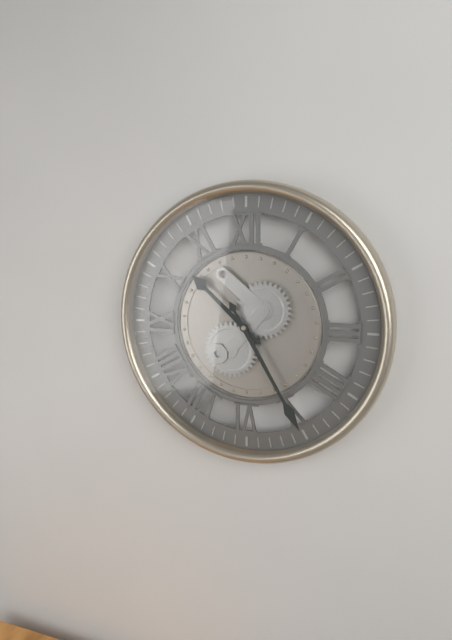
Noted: **10:25**
